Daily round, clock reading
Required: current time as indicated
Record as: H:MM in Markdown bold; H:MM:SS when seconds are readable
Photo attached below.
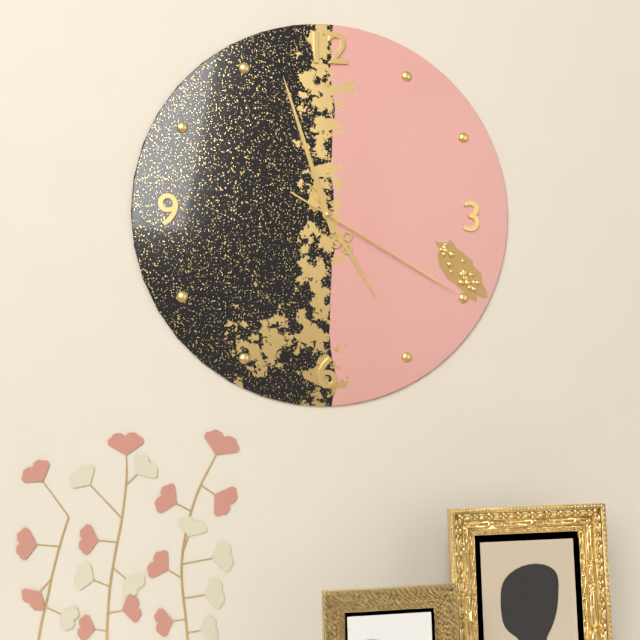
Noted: **4:57:20**
